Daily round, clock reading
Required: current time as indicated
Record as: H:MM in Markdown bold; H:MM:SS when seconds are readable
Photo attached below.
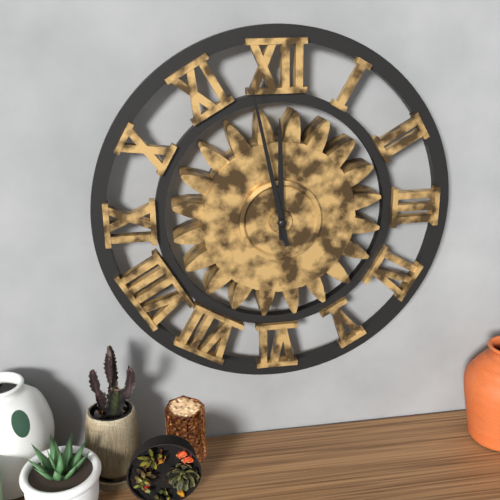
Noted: **11:58**
